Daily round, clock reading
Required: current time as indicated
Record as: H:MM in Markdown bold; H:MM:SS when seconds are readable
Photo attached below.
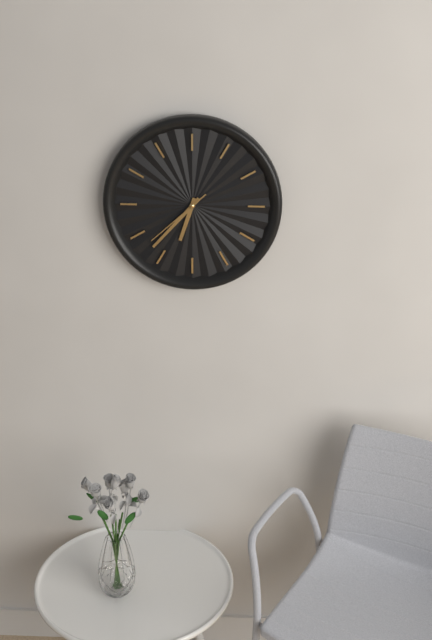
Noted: **6:37:38**
